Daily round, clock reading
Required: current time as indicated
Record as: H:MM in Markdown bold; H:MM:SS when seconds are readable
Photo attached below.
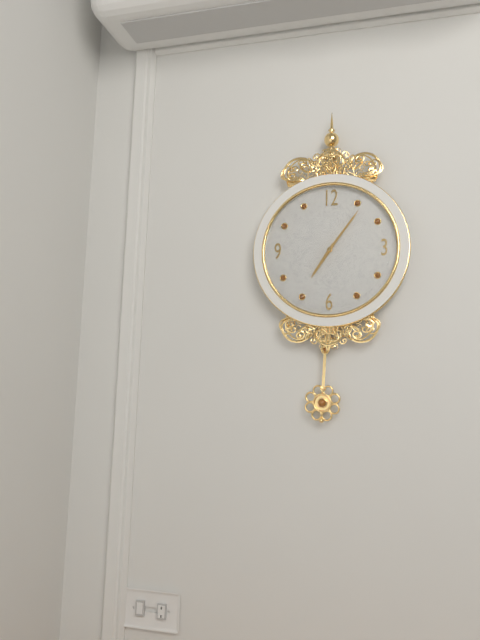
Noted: **7:06**
